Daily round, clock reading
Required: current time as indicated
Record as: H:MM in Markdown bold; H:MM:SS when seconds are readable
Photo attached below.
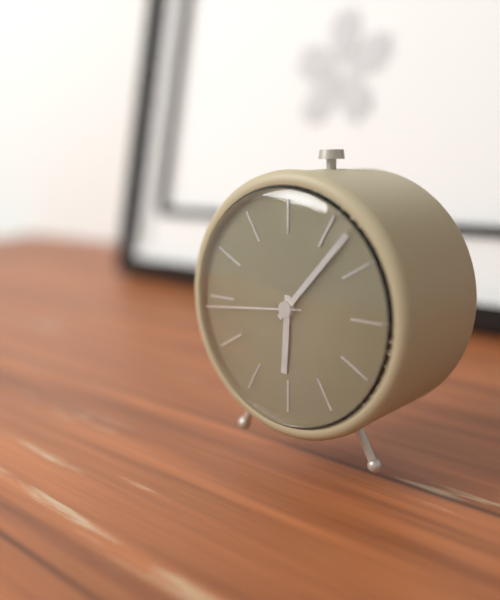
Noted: **6:07:44**
